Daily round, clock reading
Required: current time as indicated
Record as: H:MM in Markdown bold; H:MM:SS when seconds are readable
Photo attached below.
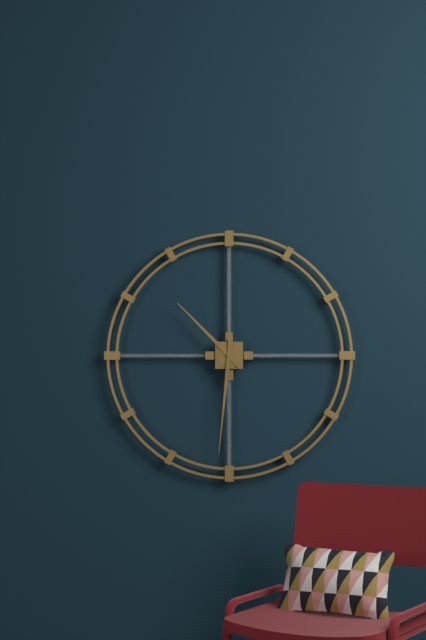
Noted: **10:31**
